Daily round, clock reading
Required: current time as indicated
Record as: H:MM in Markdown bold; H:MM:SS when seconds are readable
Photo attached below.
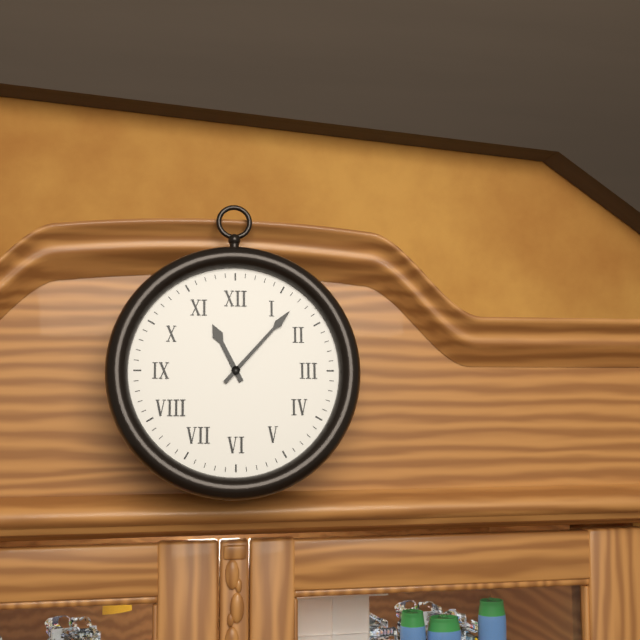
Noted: **11:07**
